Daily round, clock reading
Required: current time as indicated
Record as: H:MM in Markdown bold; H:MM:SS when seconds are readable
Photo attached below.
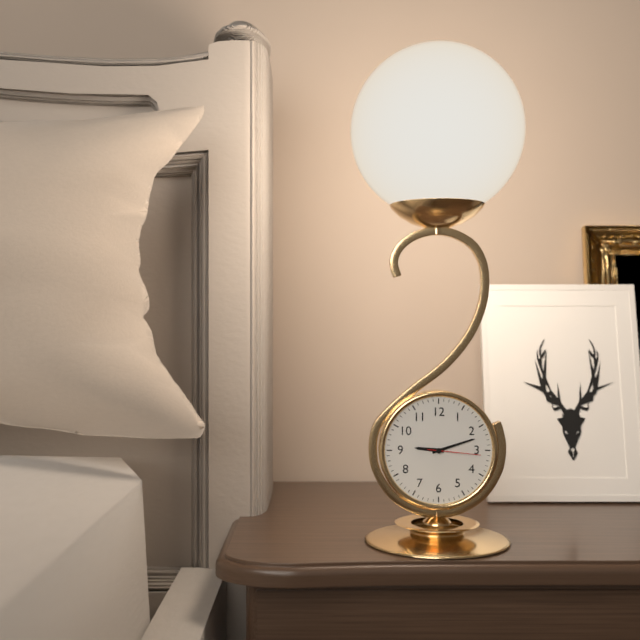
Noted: **9:12:16**
